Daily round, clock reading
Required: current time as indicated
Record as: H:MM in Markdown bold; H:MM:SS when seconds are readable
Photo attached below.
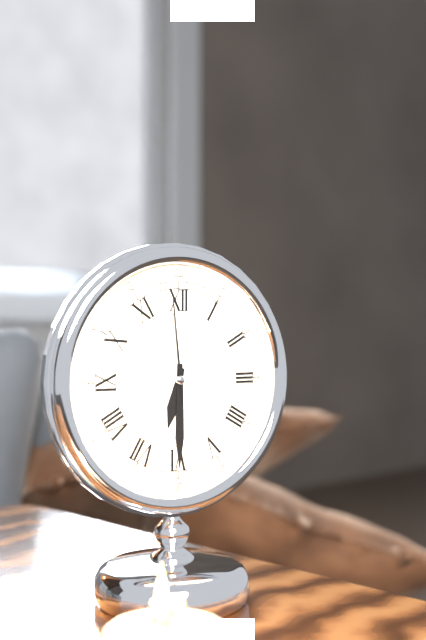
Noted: **6:30:59**
